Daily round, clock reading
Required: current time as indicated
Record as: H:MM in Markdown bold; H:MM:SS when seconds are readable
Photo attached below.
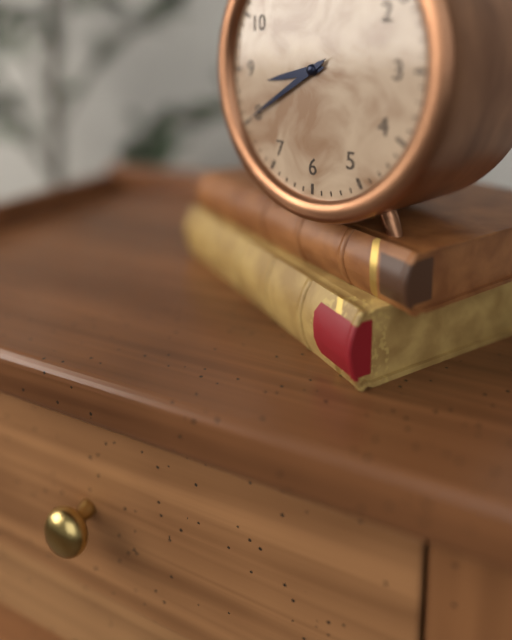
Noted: **8:40**
